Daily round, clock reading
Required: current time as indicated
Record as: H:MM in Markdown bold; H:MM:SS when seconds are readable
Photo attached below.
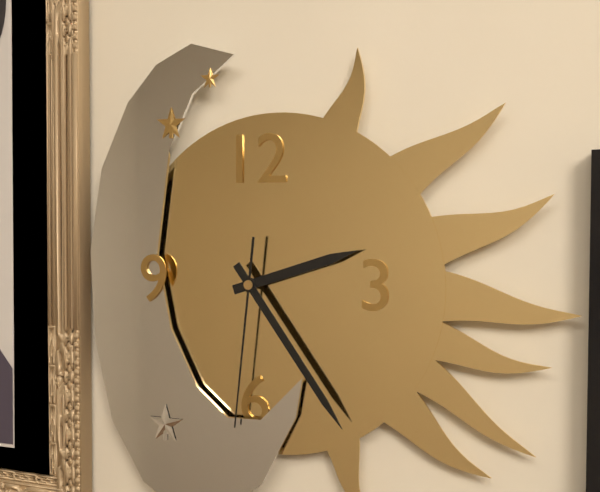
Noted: **2:24:31**
